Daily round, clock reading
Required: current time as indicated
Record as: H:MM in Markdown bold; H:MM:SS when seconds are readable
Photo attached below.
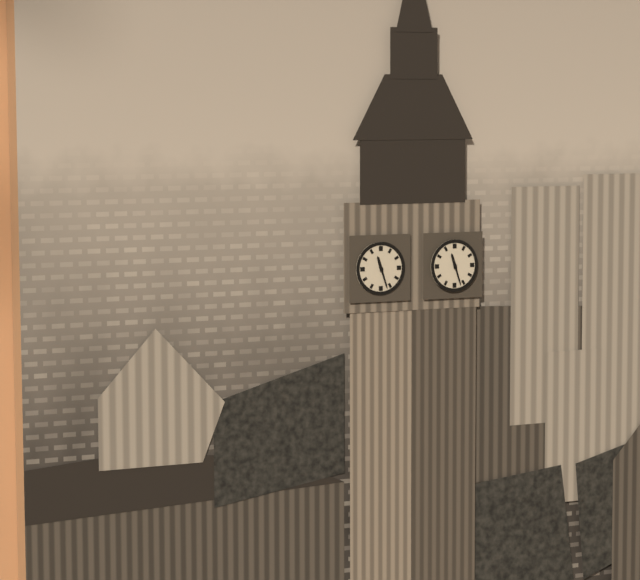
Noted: **11:27**
